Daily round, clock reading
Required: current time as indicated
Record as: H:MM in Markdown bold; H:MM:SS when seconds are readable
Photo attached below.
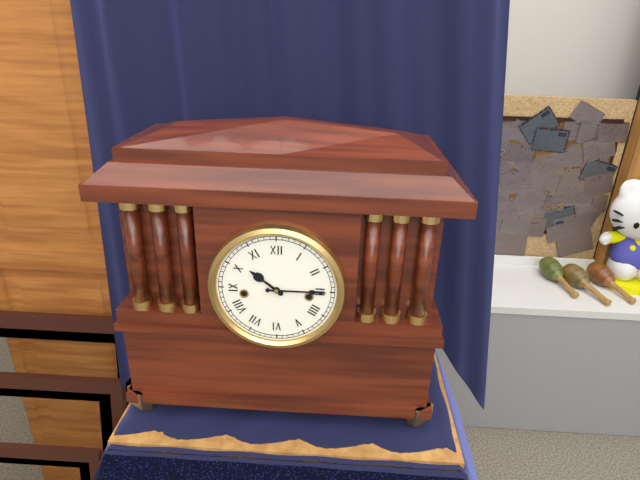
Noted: **10:15**
